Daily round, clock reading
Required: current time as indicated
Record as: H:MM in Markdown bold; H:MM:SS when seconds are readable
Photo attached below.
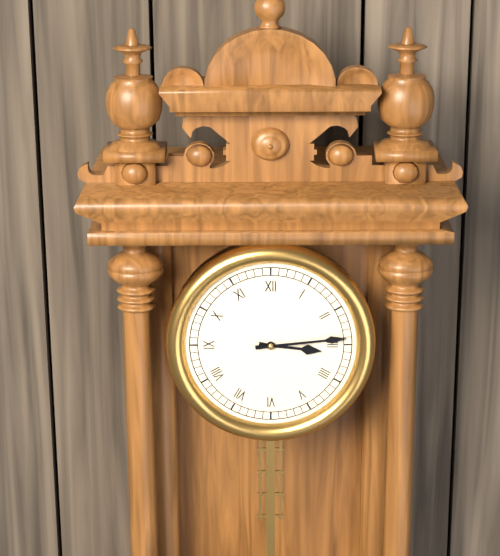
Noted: **3:14**
